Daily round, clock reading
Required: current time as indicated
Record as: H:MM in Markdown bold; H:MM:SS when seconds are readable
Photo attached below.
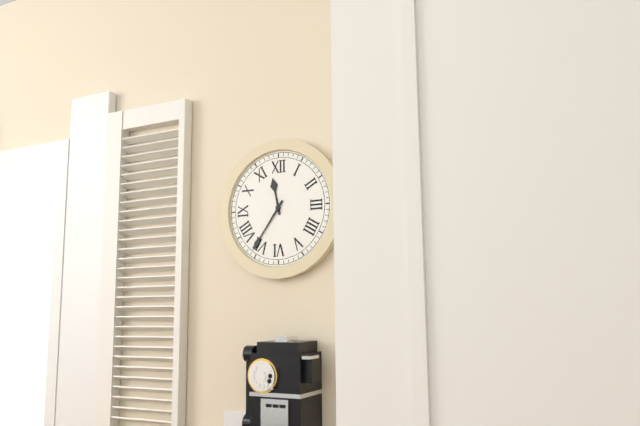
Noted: **11:36**
